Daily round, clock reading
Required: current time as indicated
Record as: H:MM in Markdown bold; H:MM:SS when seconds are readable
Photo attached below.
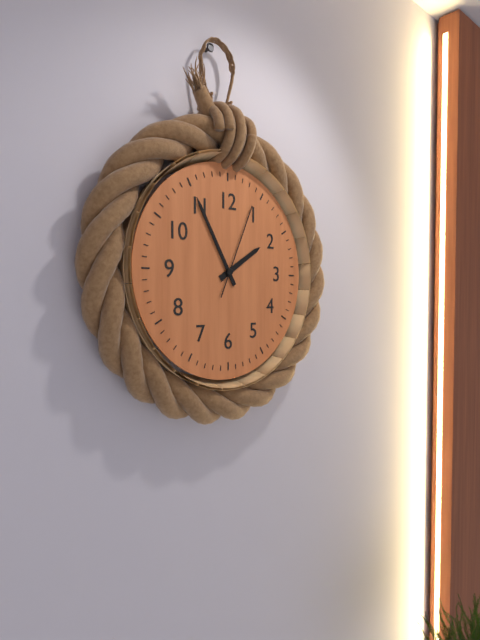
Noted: **1:55:04**
